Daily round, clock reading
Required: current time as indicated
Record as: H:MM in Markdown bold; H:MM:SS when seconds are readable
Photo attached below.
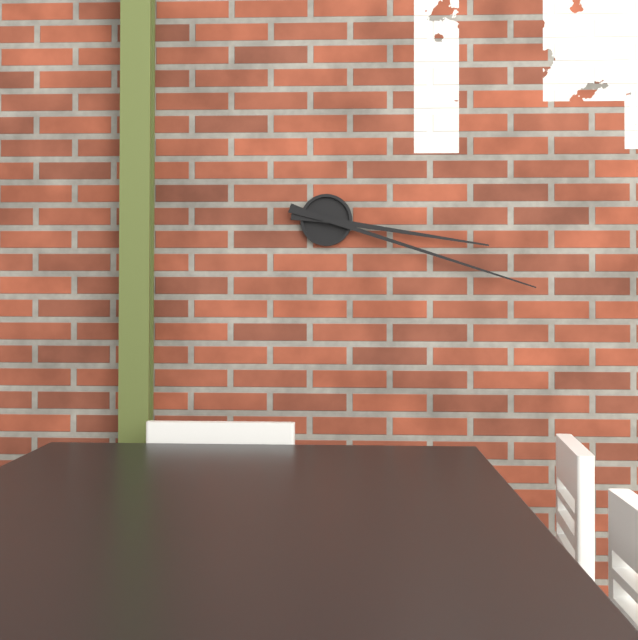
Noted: **3:18**
